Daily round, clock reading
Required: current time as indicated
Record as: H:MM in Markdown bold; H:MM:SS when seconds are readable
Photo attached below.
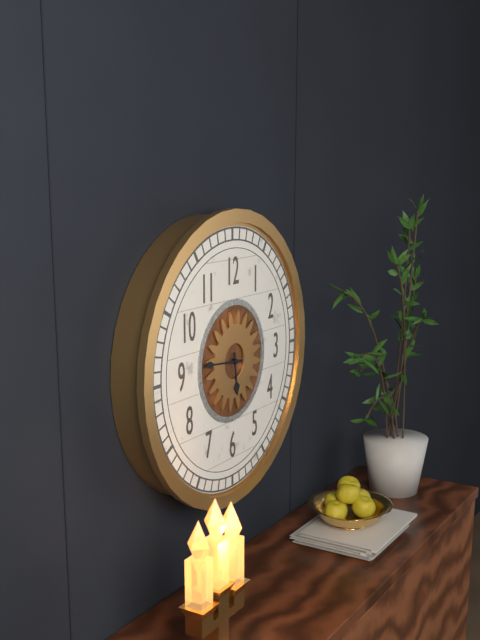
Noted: **5:46**
